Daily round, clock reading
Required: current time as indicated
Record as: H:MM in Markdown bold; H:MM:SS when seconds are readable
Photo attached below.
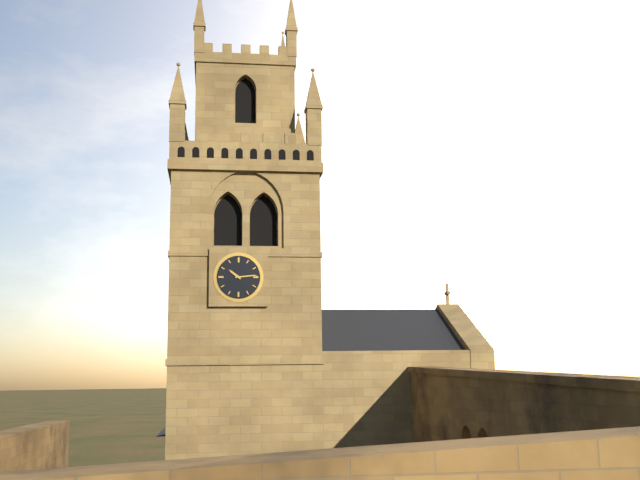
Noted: **10:14**
